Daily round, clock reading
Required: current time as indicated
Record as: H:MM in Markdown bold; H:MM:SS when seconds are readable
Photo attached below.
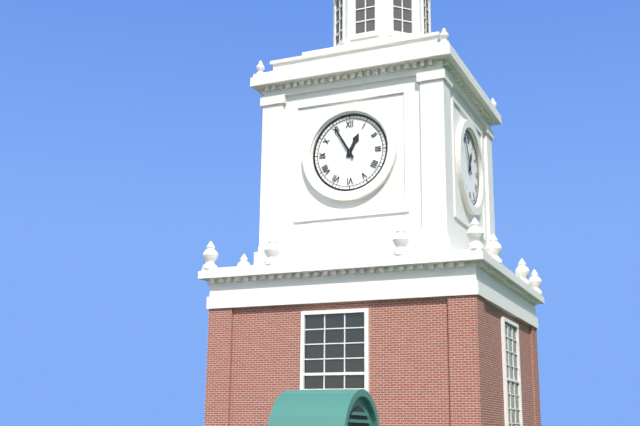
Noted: **12:55**
